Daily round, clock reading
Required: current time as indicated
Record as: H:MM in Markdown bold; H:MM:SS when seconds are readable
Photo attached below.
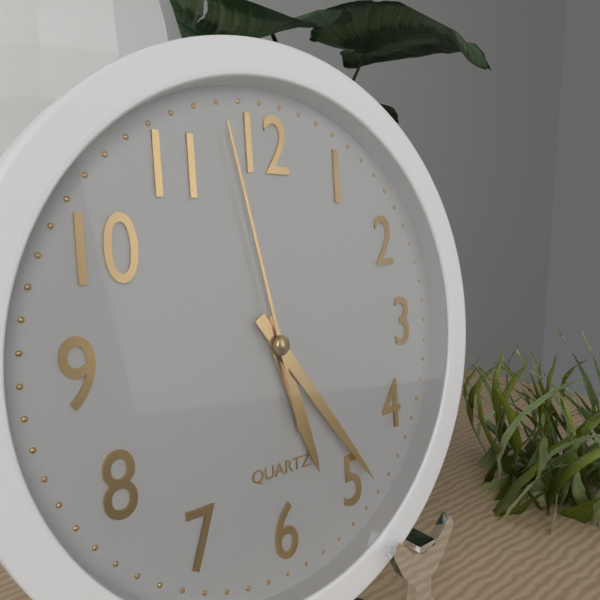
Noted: **5:24:58**
